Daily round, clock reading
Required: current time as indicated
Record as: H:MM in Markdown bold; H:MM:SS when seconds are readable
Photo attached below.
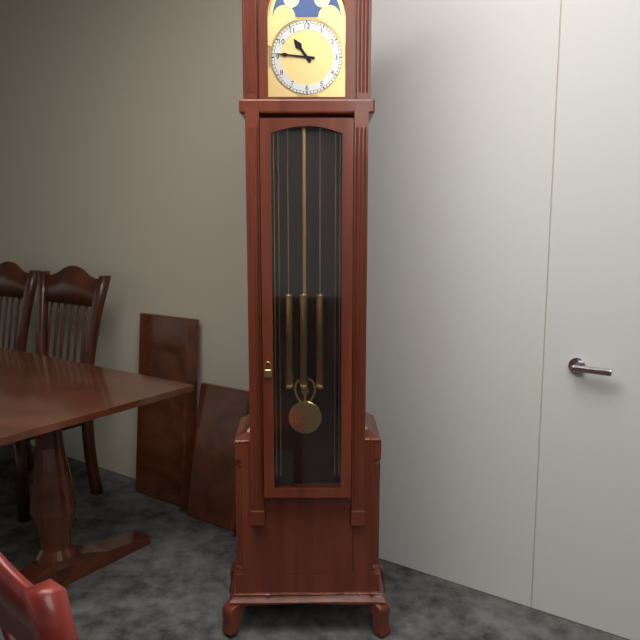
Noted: **10:46**
